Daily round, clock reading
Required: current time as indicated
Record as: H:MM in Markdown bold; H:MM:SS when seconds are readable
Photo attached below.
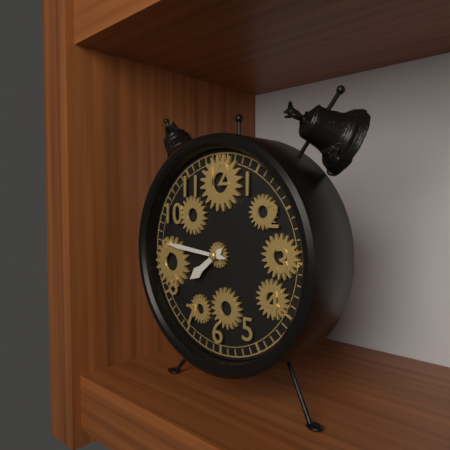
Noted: **7:46**
